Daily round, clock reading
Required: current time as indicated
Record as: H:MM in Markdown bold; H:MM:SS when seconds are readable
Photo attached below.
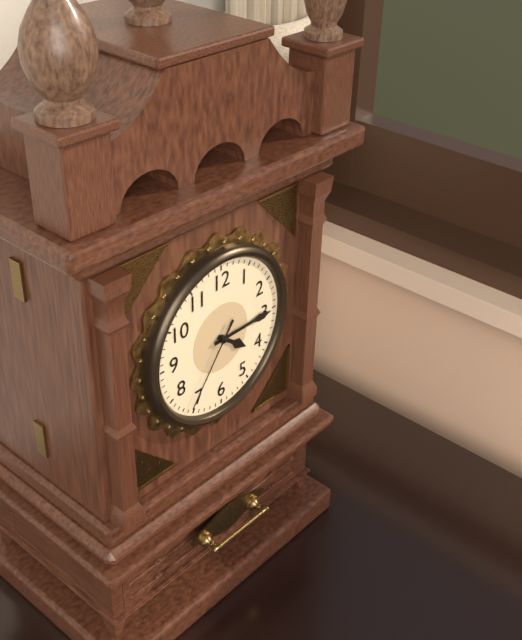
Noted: **4:15:36**
